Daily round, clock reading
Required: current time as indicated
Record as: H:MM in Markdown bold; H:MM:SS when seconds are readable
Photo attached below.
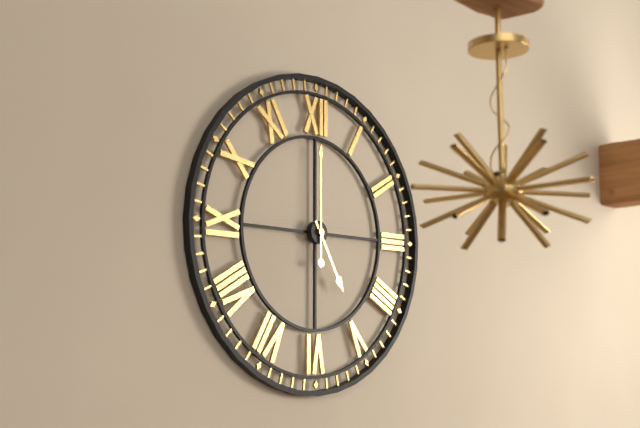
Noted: **5:00**
